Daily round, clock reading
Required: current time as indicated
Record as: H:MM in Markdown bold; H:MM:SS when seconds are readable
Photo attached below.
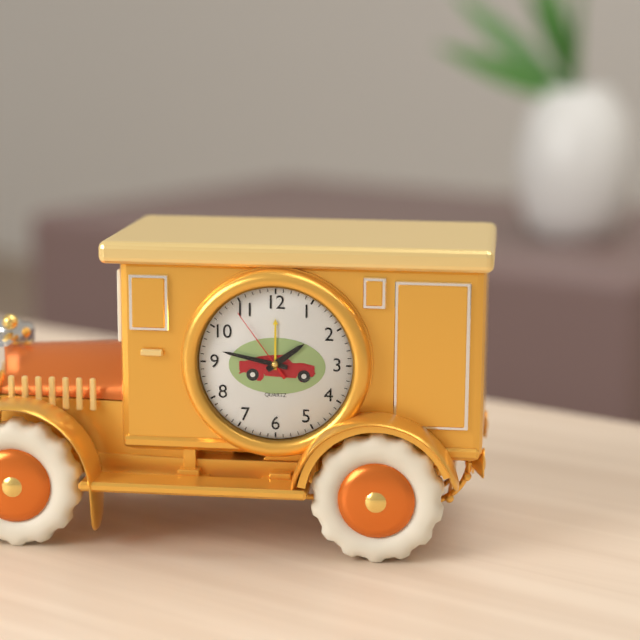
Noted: **1:47:54**
